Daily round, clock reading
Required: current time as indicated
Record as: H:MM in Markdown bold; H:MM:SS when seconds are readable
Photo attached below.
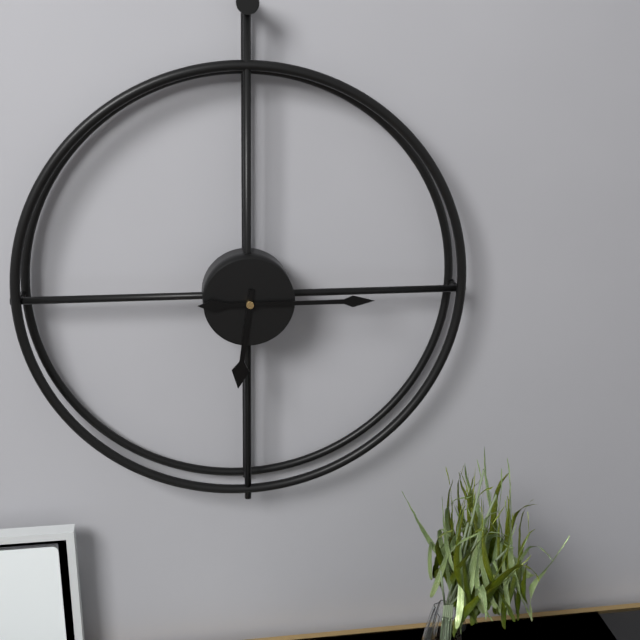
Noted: **6:15**
